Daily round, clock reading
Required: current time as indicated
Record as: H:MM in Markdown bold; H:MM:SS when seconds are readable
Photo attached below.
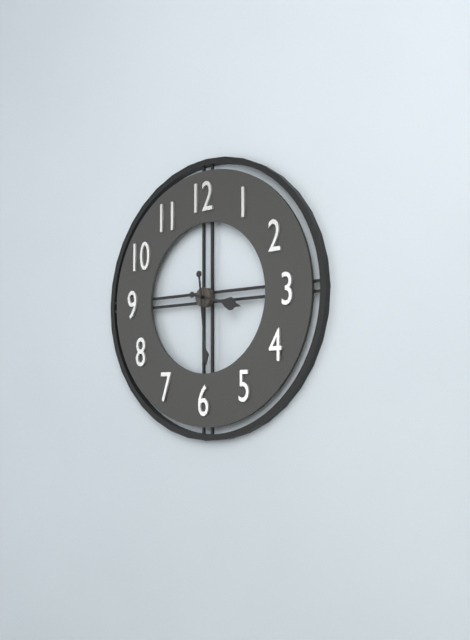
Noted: **3:29**
